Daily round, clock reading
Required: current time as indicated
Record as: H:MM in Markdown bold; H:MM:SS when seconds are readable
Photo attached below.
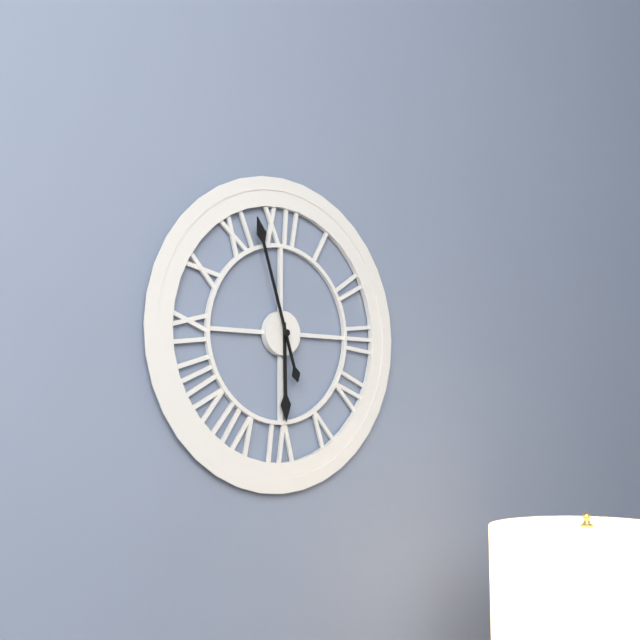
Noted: **5:57**
